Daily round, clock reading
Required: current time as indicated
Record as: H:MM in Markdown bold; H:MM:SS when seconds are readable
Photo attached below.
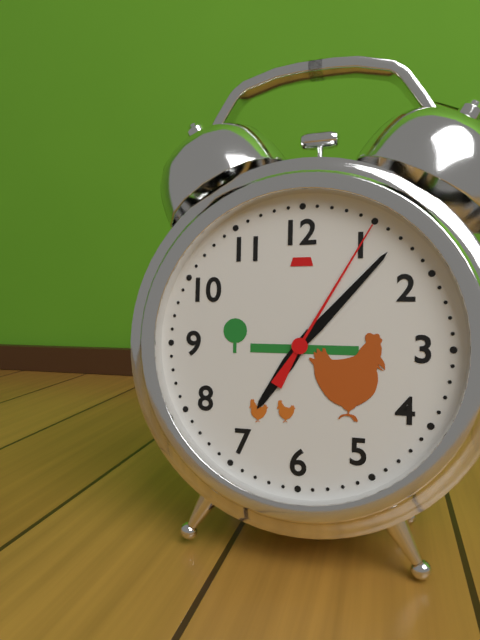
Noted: **7:07:05**
